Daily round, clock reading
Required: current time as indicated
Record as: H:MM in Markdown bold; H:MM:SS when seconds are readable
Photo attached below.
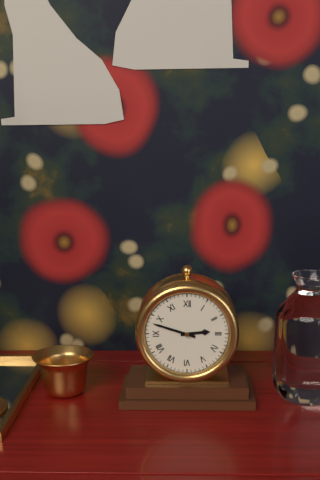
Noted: **2:48**
